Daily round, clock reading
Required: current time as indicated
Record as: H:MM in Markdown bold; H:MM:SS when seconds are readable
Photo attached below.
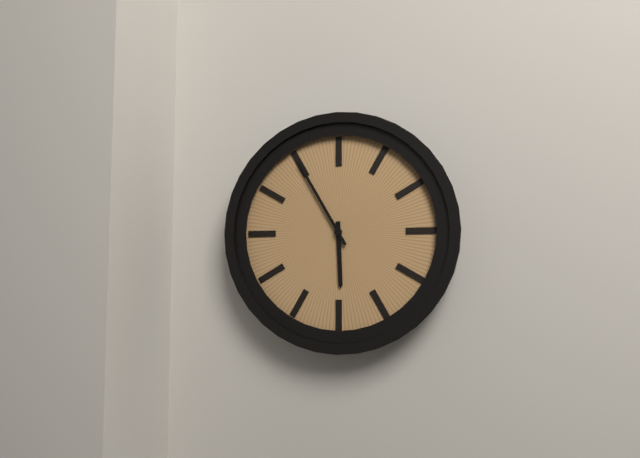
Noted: **5:55**
